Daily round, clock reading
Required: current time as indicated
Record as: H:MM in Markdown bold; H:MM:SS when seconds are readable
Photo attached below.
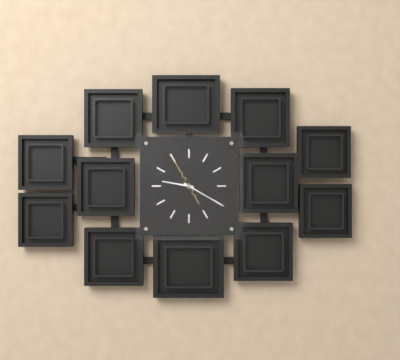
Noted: **9:20**
